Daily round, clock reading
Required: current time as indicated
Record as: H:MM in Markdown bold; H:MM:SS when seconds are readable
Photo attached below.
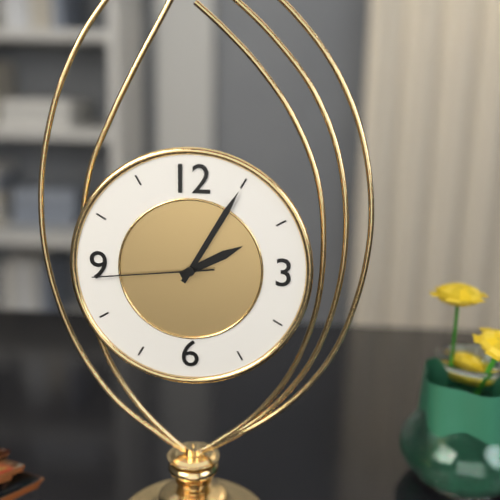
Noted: **2:05:44**
